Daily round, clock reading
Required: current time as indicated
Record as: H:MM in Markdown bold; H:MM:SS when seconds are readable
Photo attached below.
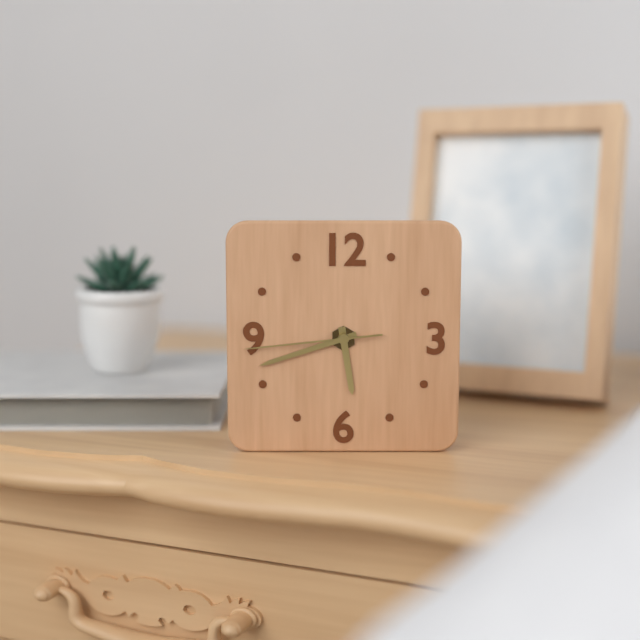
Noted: **5:42:44**
